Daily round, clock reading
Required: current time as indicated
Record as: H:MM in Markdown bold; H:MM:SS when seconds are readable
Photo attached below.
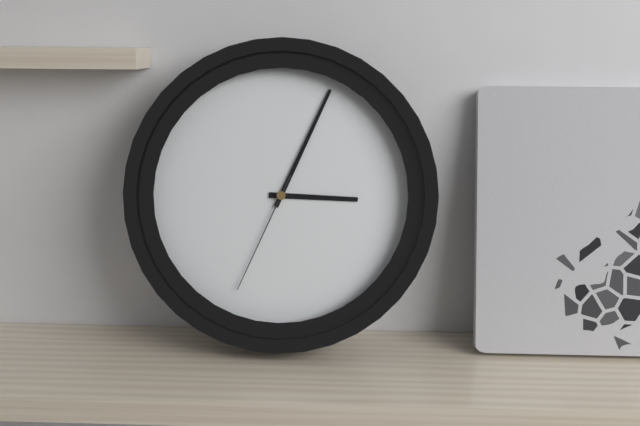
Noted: **3:04:34**
